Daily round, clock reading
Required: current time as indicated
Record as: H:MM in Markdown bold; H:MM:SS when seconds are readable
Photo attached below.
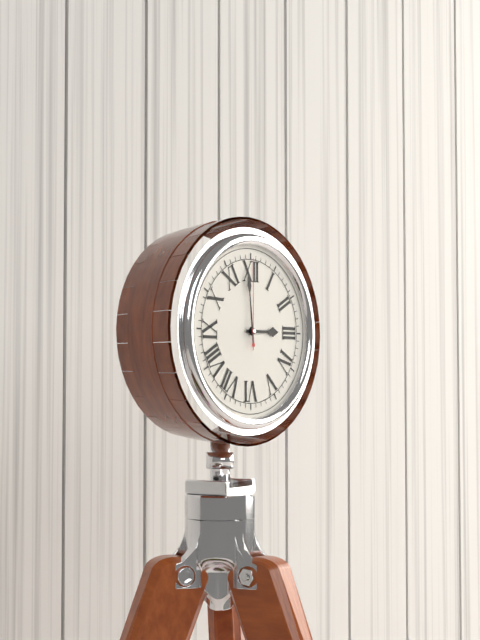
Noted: **2:59:00**
